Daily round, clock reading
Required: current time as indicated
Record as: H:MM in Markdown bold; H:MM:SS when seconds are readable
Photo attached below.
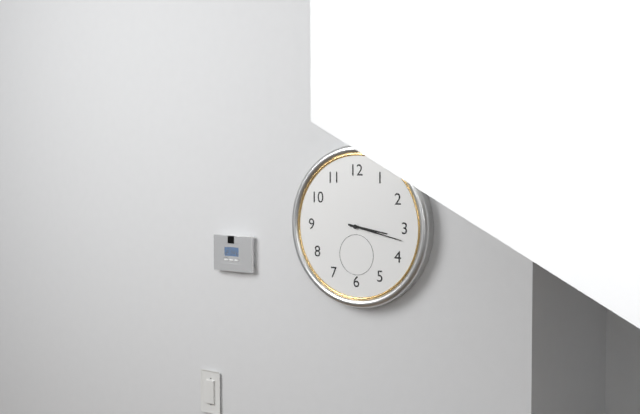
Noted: **3:17**
